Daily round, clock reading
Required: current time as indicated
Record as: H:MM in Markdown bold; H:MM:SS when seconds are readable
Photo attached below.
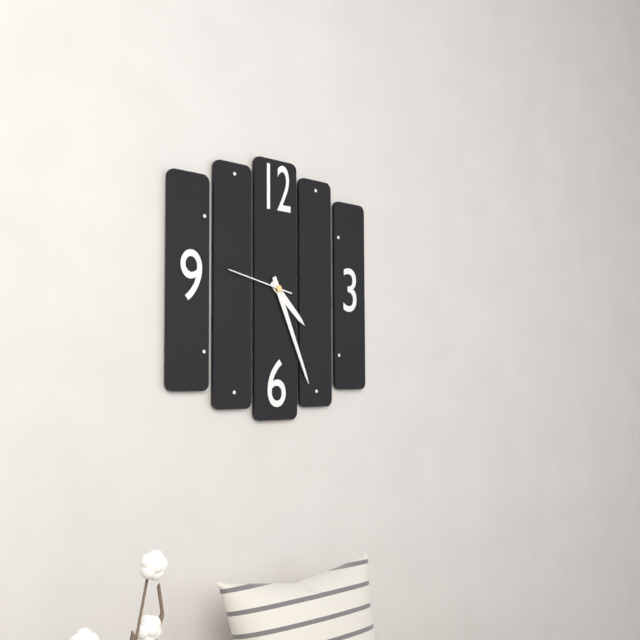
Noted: **4:26:47**
